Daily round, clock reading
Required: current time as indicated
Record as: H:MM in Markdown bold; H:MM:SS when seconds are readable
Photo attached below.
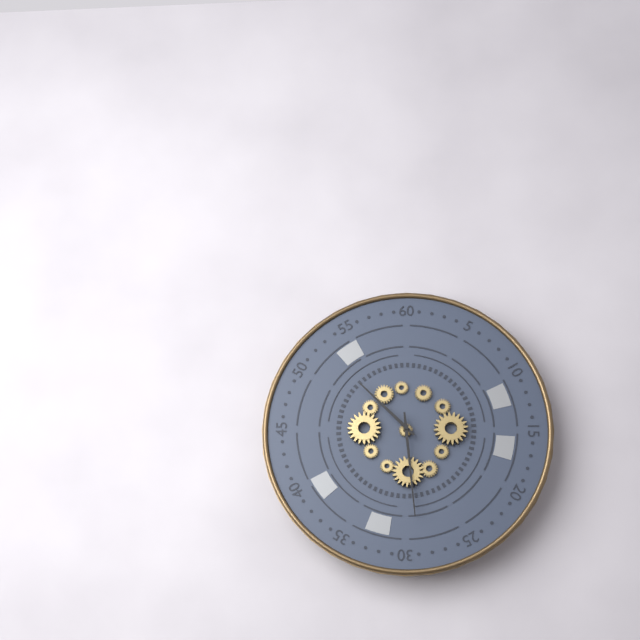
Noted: **10:29**
